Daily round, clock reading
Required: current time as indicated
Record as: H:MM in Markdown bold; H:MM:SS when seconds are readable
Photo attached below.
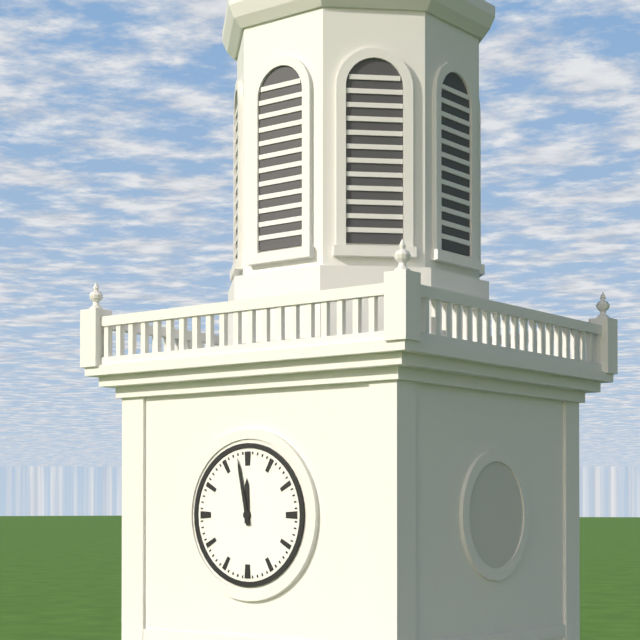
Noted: **11:58**
